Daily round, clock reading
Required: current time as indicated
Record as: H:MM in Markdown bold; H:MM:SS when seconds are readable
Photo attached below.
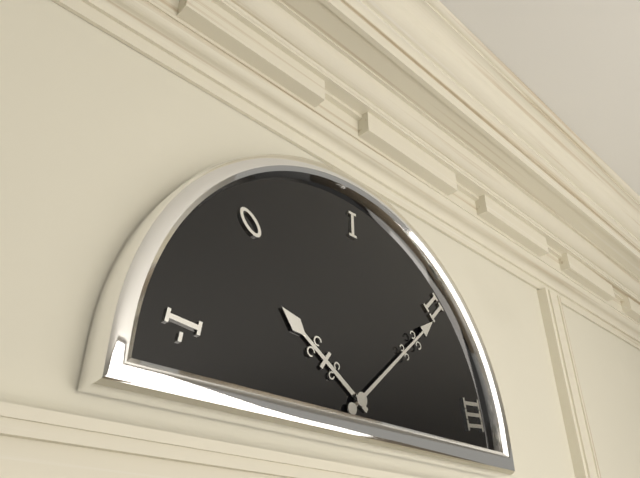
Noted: **10:08**
